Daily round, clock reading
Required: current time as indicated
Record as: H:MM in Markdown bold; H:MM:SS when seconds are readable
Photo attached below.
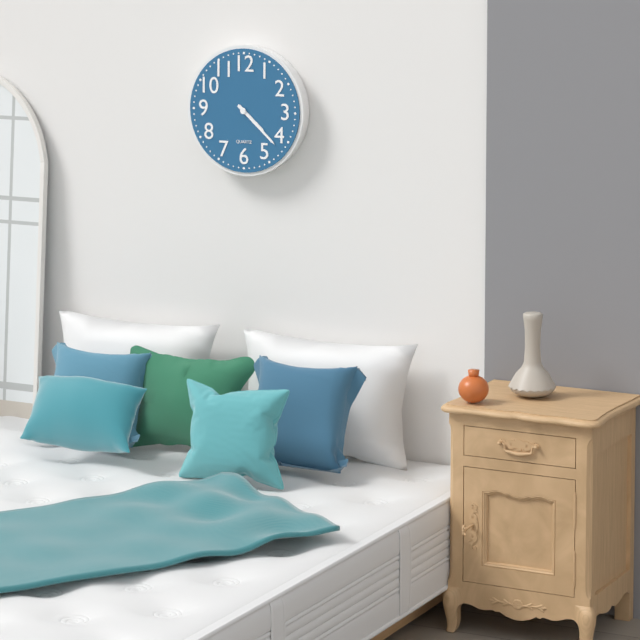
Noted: **4:22**
